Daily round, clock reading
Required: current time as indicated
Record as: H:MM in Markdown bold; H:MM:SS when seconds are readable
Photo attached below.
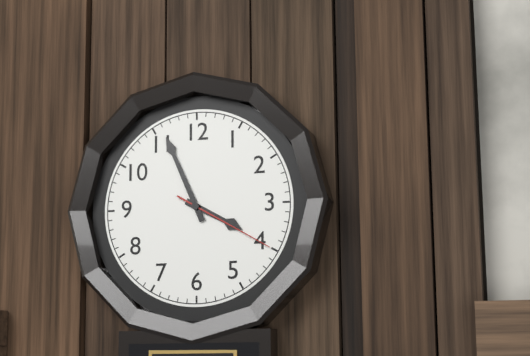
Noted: **3:56:20**
